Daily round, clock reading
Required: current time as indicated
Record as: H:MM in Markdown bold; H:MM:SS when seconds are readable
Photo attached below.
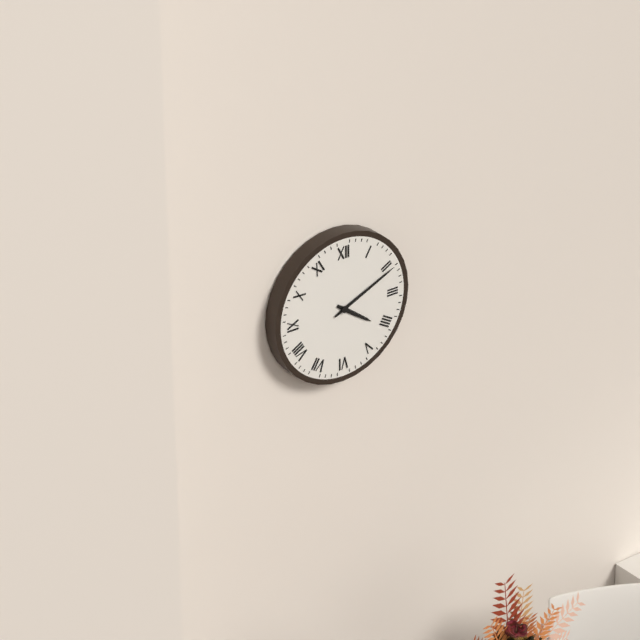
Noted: **4:11**
